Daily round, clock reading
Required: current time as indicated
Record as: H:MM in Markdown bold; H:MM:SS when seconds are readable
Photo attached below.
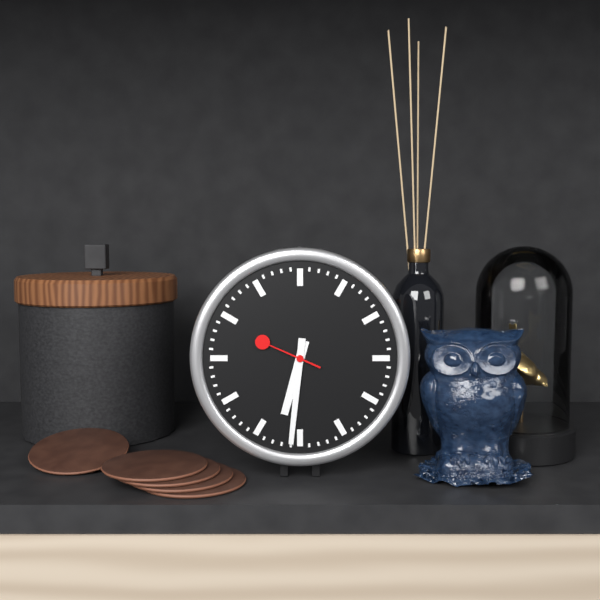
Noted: **6:31:49**
